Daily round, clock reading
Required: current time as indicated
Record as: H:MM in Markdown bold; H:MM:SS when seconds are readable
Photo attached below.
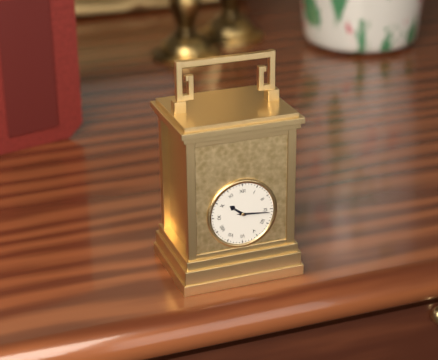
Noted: **10:16**
